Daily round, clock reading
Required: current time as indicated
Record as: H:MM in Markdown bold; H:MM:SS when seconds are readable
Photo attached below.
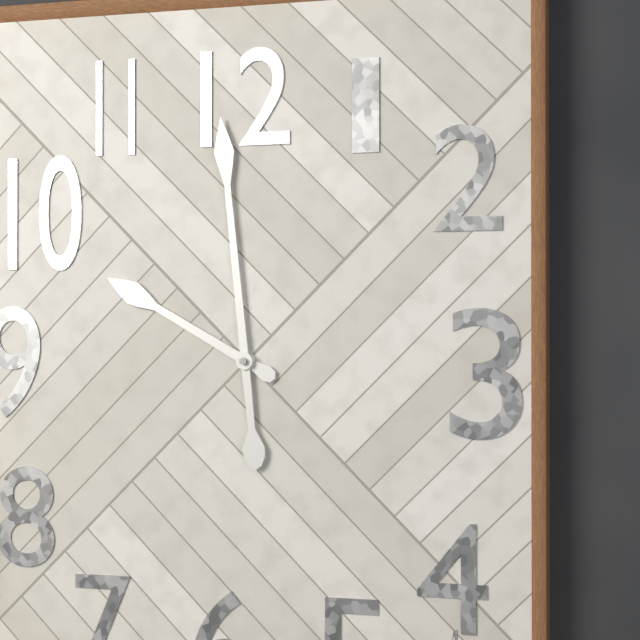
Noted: **9:59**
